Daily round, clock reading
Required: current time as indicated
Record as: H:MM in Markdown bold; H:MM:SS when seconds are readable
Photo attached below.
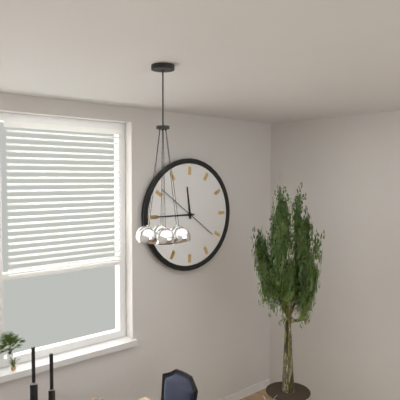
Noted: **11:45**
